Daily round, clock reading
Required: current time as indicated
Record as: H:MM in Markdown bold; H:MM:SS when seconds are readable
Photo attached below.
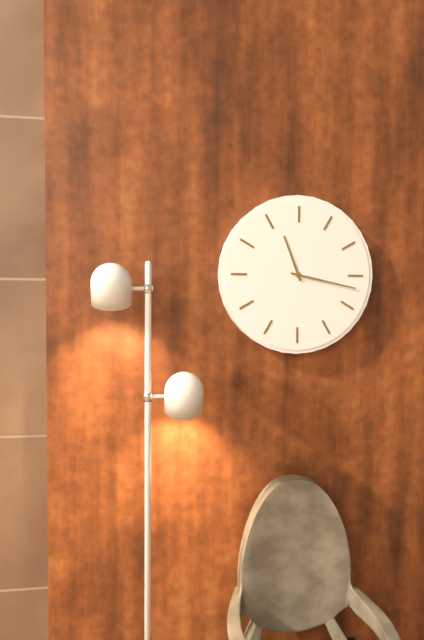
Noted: **11:17**
